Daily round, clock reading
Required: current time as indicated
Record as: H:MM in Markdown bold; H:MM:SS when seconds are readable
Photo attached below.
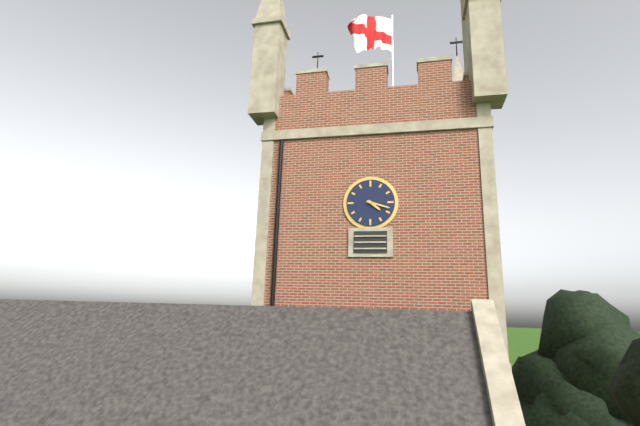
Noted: **4:18**
